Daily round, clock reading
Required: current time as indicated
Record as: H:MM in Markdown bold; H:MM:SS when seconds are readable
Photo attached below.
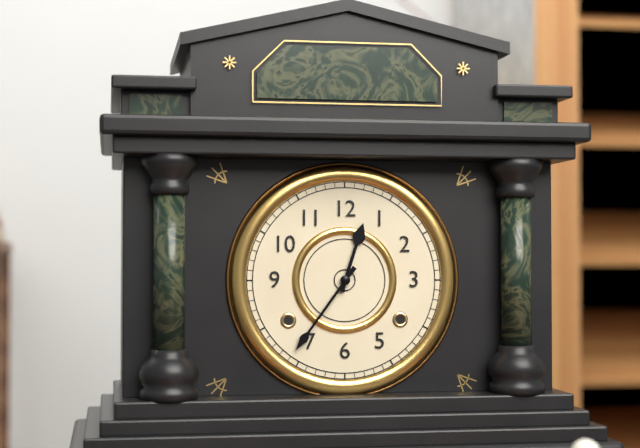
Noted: **12:36**
